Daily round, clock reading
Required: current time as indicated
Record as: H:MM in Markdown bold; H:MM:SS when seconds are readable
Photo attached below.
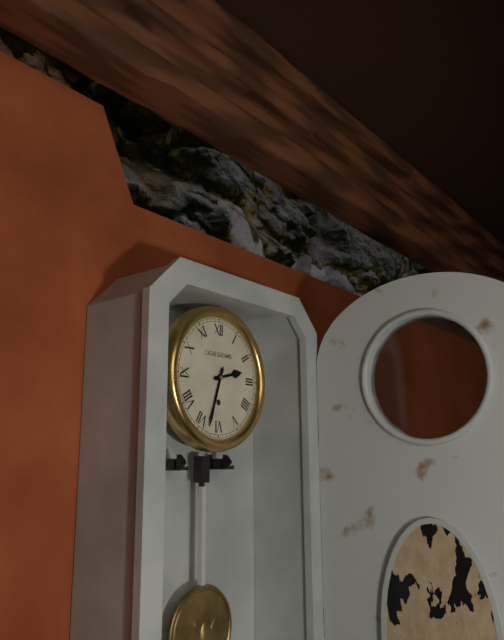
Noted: **2:33**
